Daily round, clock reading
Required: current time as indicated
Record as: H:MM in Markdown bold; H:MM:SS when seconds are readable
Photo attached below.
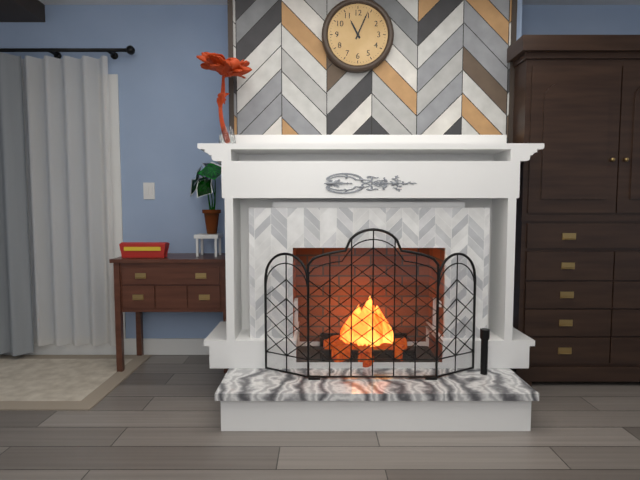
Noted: **11:04**
